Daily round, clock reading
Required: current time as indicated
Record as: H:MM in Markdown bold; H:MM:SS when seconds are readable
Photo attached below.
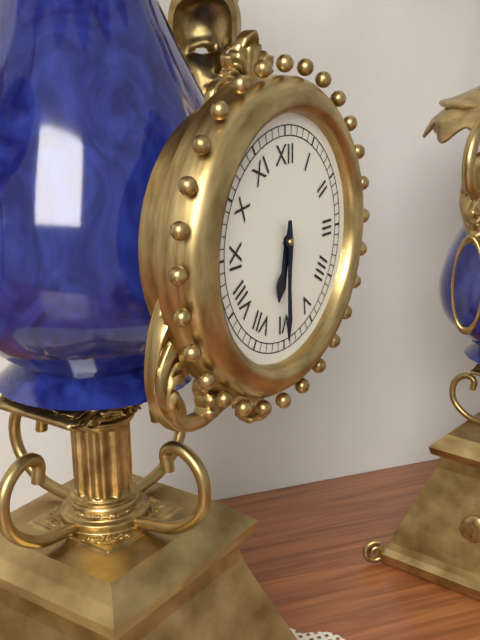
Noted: **6:30**
